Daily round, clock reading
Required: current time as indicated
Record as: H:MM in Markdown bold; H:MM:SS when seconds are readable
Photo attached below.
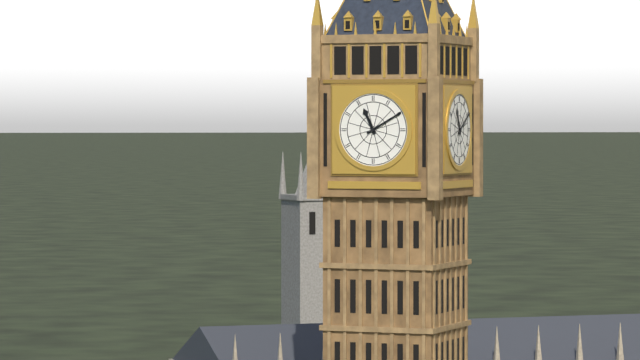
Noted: **11:10**
